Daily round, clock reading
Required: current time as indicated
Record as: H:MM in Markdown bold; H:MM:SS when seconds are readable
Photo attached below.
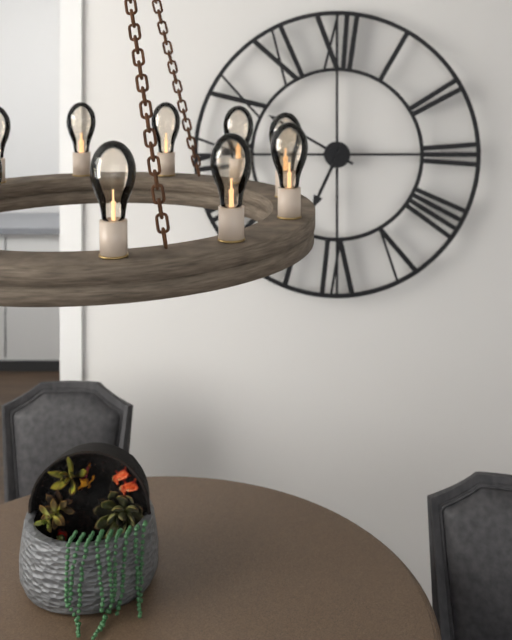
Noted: **6:50**
